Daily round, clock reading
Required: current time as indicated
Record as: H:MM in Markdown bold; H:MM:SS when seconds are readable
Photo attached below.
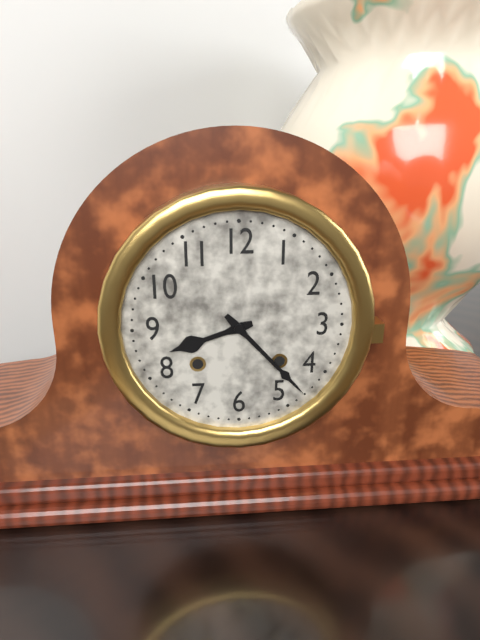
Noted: **8:23**
